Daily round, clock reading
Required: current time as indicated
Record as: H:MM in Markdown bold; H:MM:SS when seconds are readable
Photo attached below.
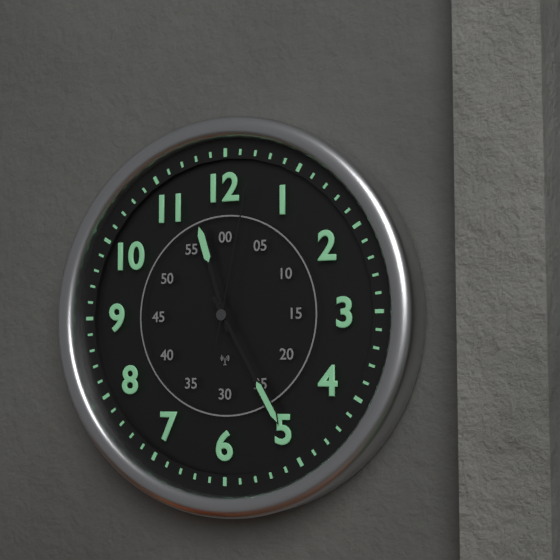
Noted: **11:25:02**
